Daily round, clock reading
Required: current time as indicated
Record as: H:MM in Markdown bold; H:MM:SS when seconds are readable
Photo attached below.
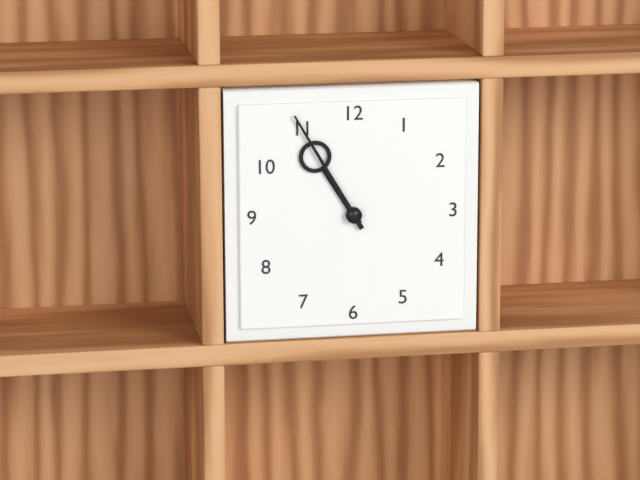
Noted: **10:55**
